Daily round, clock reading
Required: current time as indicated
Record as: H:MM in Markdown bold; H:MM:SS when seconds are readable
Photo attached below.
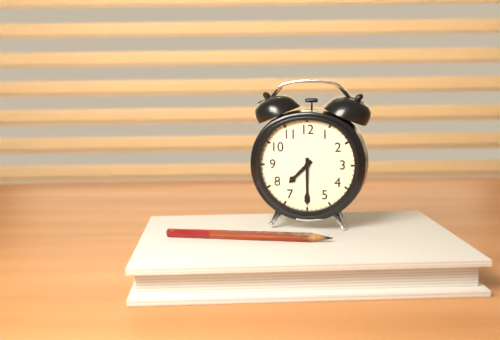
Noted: **7:30**
